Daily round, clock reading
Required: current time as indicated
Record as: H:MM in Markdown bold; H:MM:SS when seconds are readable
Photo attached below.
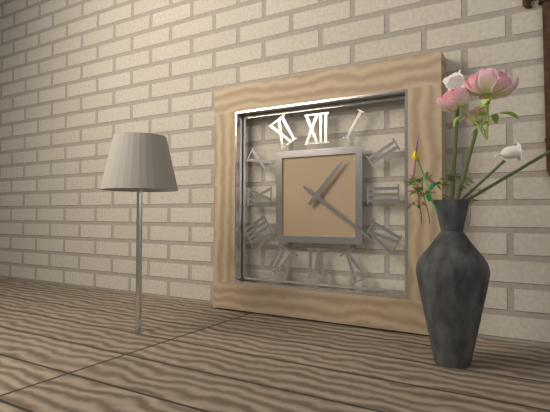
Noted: **1:21**
